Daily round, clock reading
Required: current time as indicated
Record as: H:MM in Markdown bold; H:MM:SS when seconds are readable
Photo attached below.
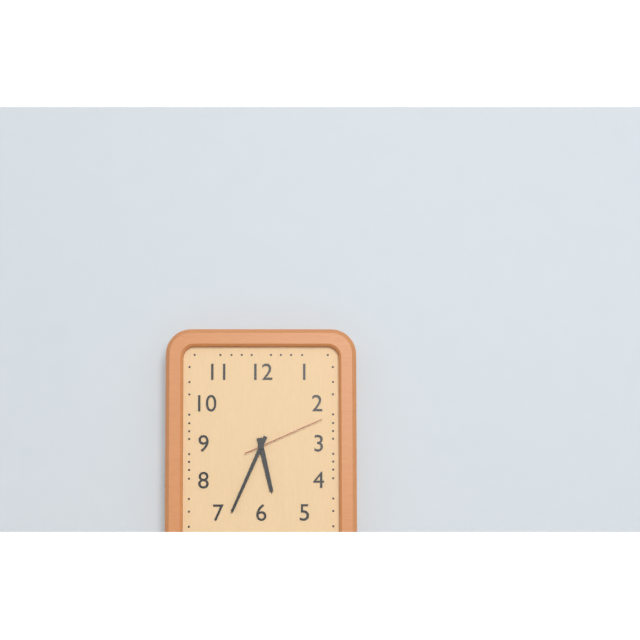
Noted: **5:34:11**
